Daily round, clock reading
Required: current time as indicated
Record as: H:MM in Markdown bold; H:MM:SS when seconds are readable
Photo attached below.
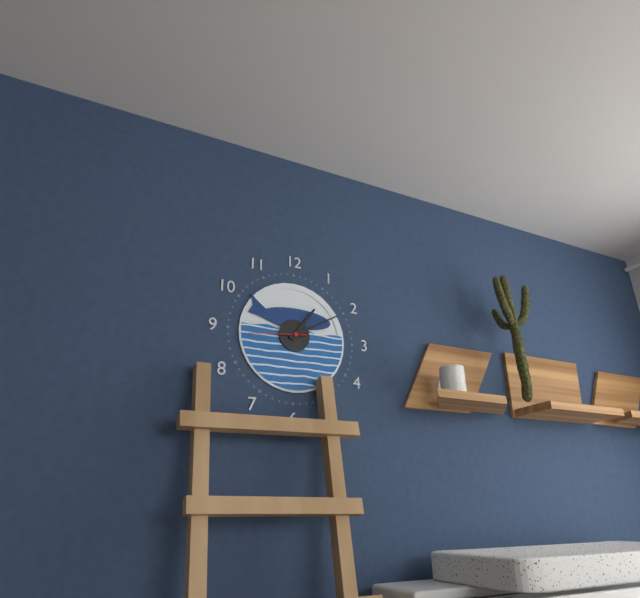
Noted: **1:10:44**
